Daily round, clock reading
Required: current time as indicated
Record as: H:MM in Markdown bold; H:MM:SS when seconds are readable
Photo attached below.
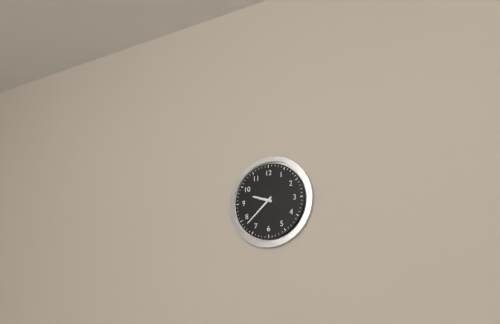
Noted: **9:38**
